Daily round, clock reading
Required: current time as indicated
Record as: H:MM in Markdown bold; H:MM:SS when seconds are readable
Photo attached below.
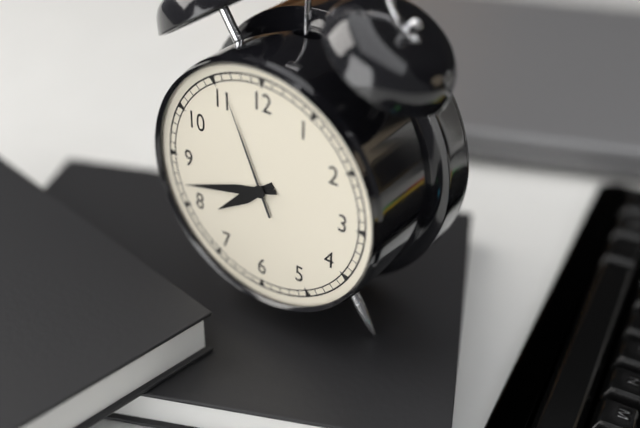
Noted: **7:42:56**
